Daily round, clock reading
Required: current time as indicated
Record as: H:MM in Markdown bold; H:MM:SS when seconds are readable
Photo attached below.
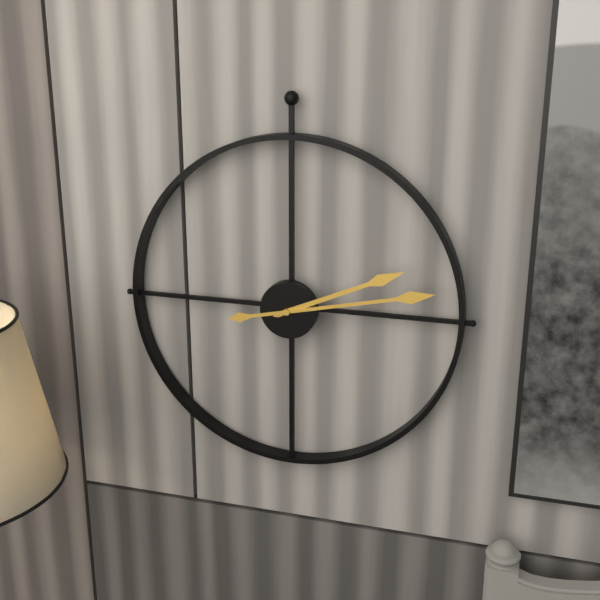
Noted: **2:13**
